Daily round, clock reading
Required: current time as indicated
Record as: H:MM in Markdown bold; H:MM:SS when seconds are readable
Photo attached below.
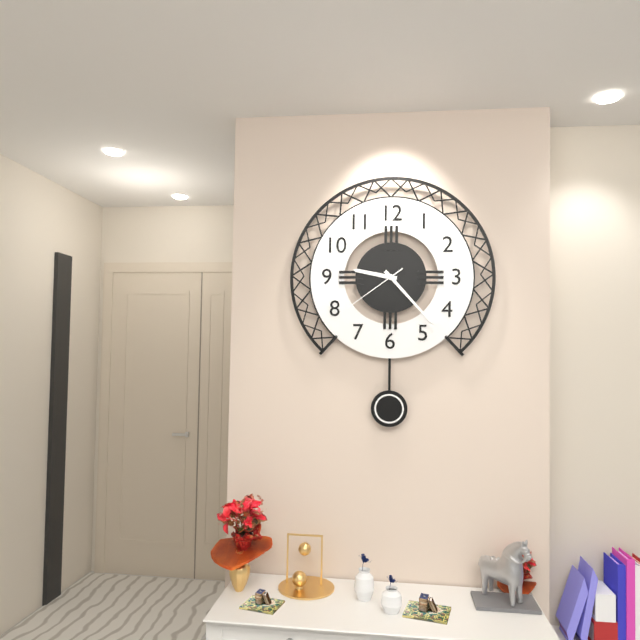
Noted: **9:23:39**
